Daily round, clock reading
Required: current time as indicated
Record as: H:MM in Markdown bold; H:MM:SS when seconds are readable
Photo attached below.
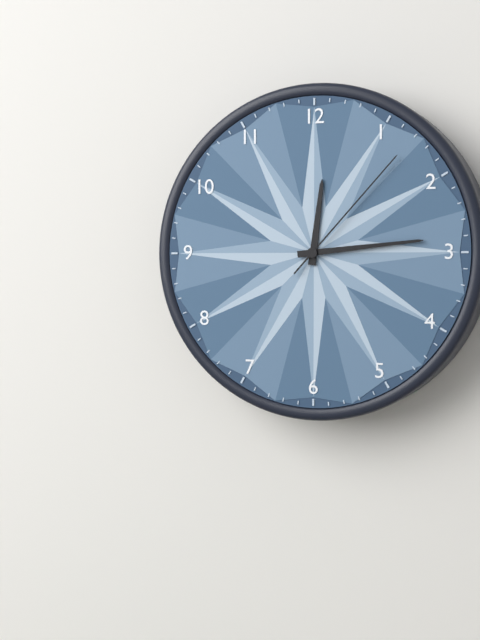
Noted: **12:14:07**
